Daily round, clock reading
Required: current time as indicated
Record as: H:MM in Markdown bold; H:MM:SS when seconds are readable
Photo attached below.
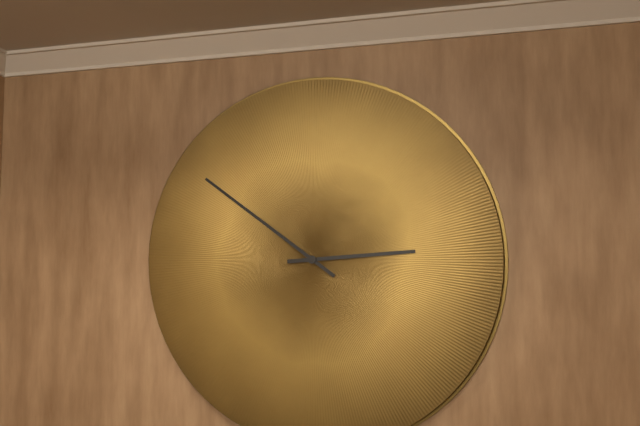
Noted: **2:51**
